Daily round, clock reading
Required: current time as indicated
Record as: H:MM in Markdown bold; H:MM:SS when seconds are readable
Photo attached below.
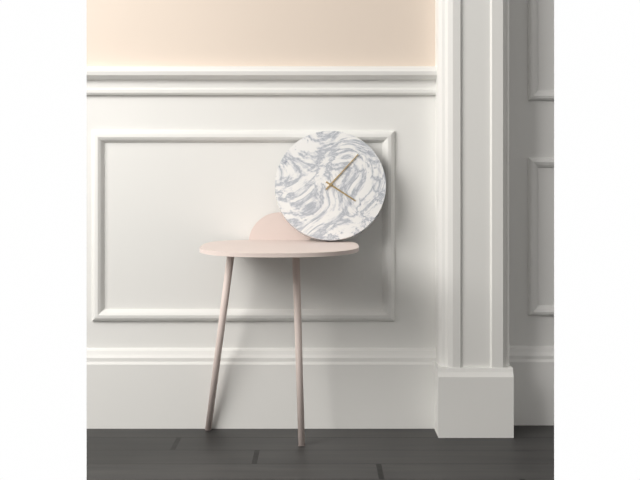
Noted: **4:07**
